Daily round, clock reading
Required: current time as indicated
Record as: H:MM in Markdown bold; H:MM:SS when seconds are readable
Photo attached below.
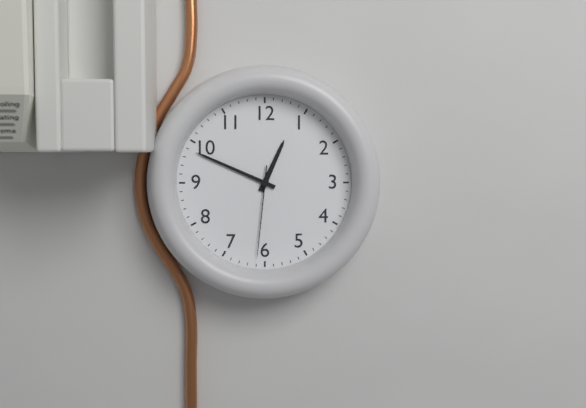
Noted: **12:49:31**
